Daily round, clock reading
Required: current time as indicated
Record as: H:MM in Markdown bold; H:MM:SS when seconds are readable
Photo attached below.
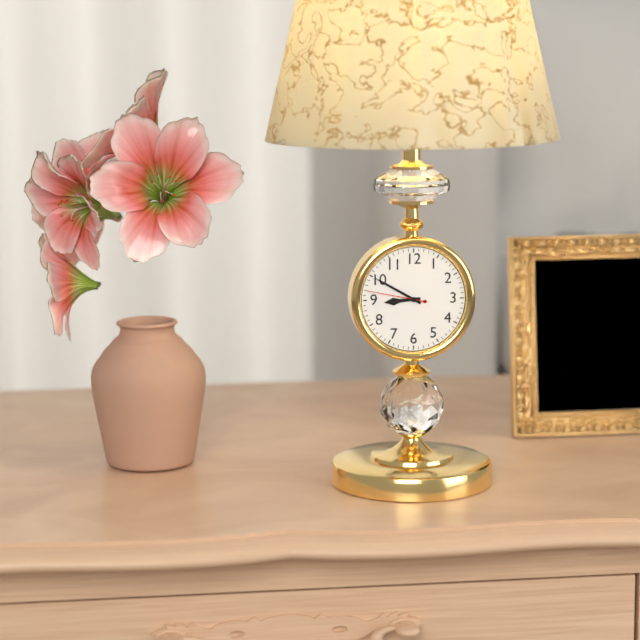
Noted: **8:50:47**
